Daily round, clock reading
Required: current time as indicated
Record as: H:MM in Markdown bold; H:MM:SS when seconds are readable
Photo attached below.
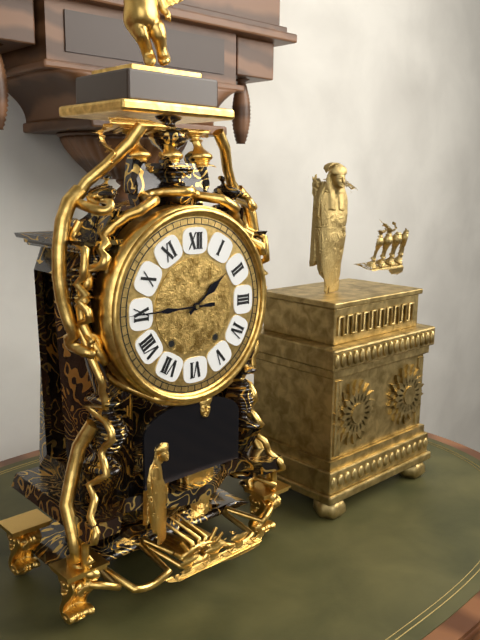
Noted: **1:45**
